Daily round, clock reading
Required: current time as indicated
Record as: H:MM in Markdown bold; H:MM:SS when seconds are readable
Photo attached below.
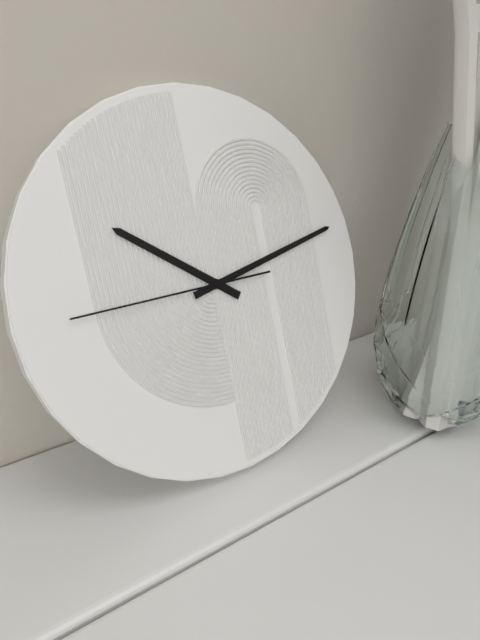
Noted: **10:13:45**
